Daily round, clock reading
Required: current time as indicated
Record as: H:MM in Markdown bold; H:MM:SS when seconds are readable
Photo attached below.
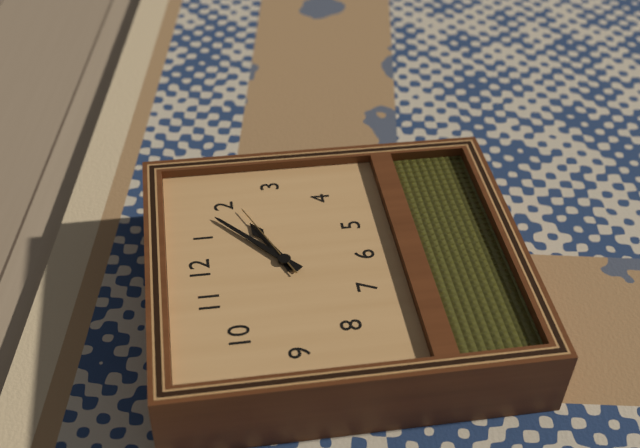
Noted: **2:08:11**
